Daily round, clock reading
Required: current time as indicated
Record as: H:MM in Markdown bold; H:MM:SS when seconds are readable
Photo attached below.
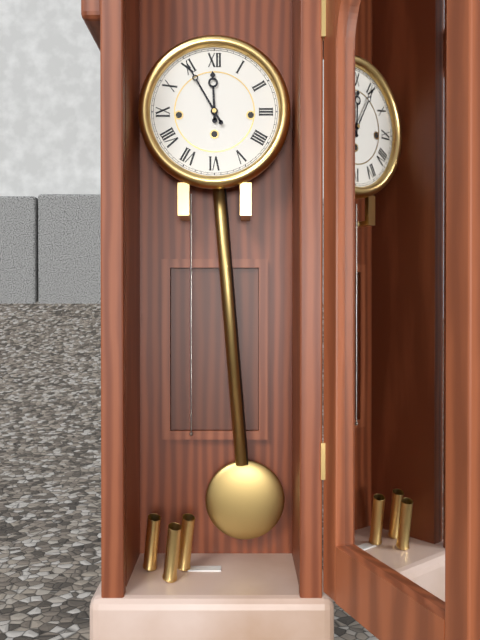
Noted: **11:55**
